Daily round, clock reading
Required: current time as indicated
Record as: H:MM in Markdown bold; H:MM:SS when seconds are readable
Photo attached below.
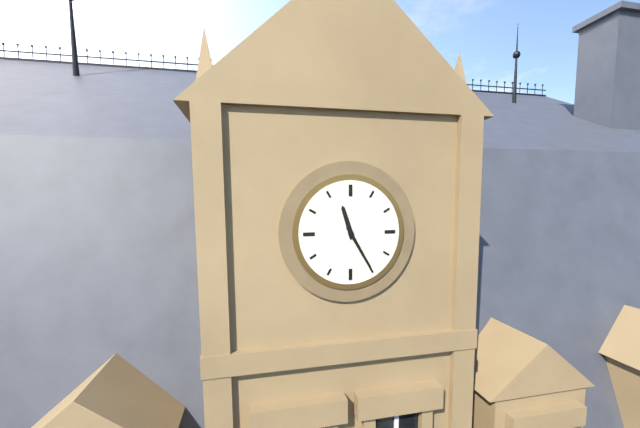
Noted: **11:25**
